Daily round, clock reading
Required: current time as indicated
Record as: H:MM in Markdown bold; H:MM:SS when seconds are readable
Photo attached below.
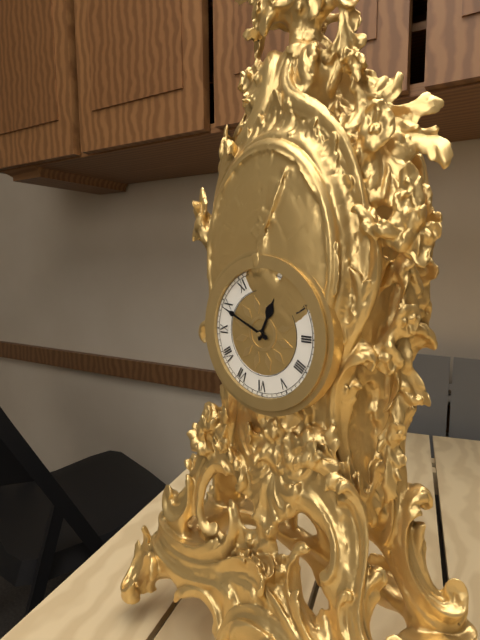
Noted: **12:49**
